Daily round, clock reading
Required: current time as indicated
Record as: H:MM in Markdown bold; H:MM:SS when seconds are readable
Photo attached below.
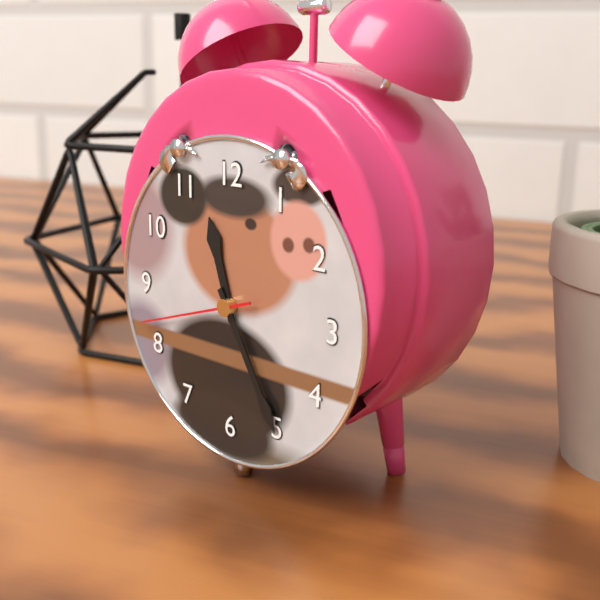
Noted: **11:25:42**
